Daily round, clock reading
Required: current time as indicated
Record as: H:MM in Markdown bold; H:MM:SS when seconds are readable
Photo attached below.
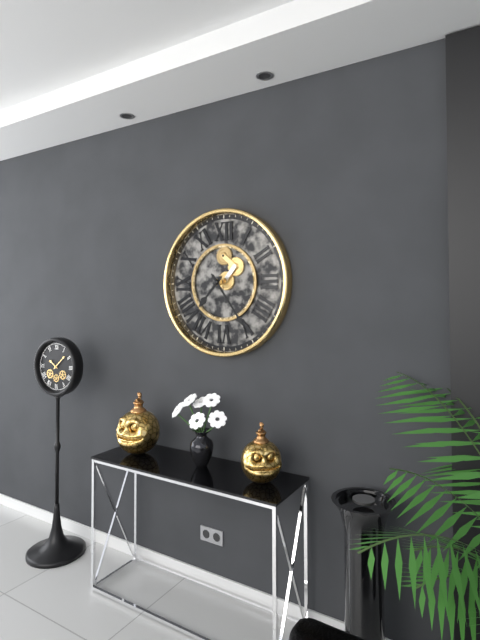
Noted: **7:24**
